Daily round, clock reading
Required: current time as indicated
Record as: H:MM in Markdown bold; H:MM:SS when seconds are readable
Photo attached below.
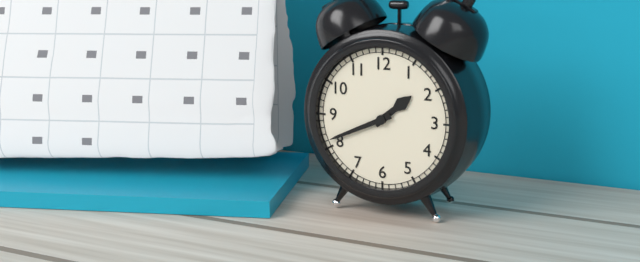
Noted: **1:41**
